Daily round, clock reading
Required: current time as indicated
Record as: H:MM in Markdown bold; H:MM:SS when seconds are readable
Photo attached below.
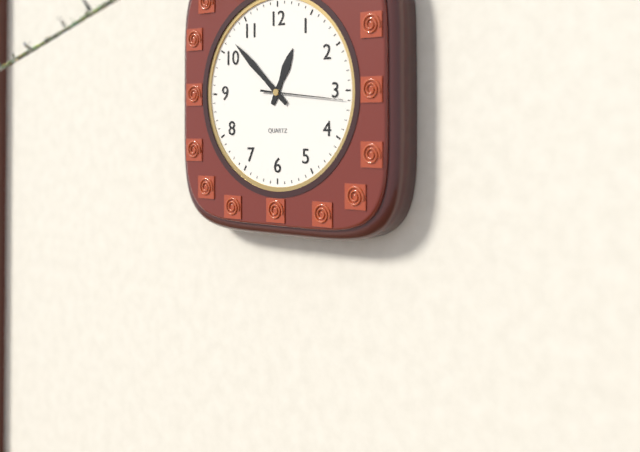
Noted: **12:52:16**
